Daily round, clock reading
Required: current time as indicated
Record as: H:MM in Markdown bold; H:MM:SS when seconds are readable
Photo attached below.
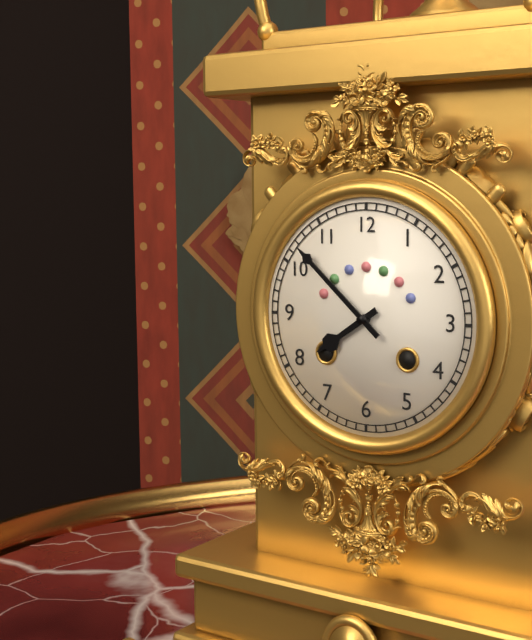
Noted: **7:52**
